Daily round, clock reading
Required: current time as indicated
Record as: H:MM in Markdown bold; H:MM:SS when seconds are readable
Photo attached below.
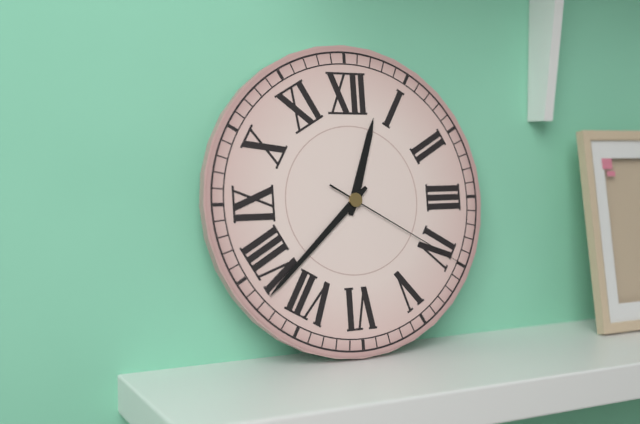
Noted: **12:38:20**
